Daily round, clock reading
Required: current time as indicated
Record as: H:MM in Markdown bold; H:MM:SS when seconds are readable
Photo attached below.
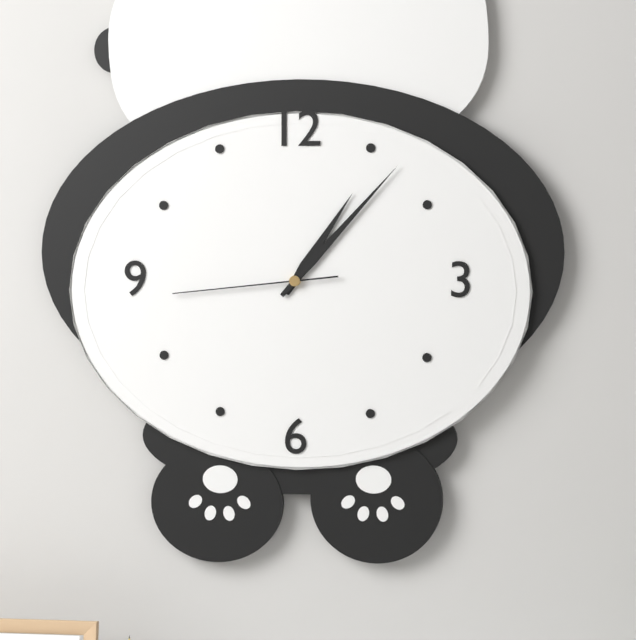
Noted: **1:07:44**
